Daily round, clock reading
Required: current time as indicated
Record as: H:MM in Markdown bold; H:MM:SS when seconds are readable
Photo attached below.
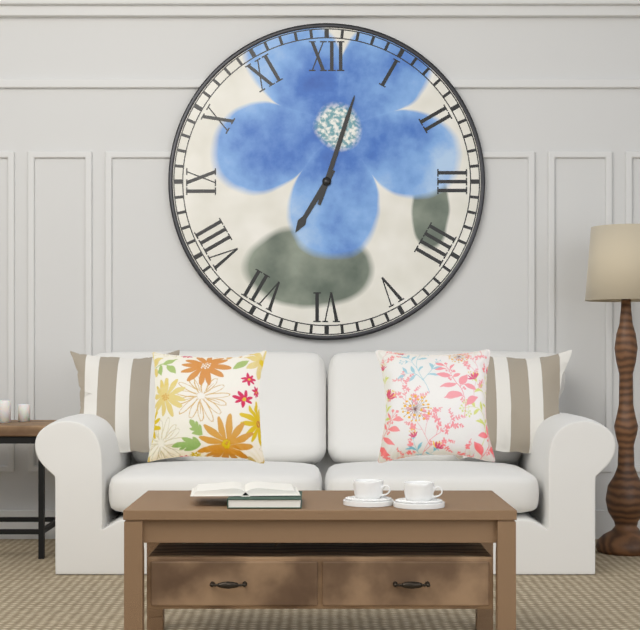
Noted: **7:03**
